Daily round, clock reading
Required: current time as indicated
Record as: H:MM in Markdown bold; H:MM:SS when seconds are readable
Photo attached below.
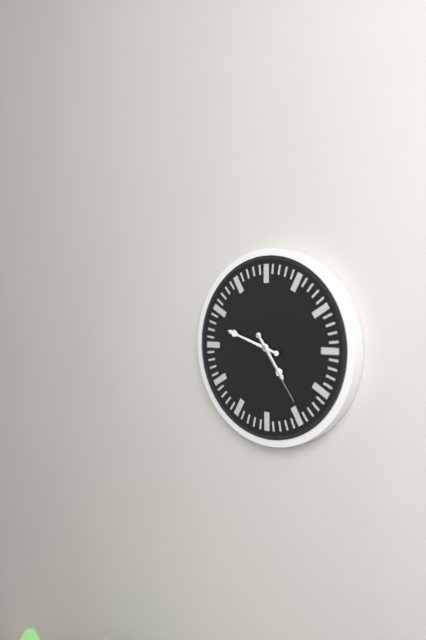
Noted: **4:48:24**
